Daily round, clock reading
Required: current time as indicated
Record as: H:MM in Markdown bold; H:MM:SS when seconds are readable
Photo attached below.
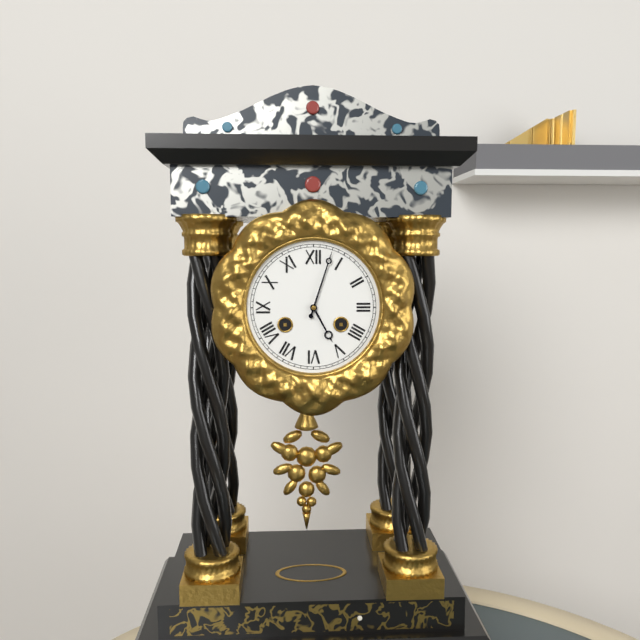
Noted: **5:03**
